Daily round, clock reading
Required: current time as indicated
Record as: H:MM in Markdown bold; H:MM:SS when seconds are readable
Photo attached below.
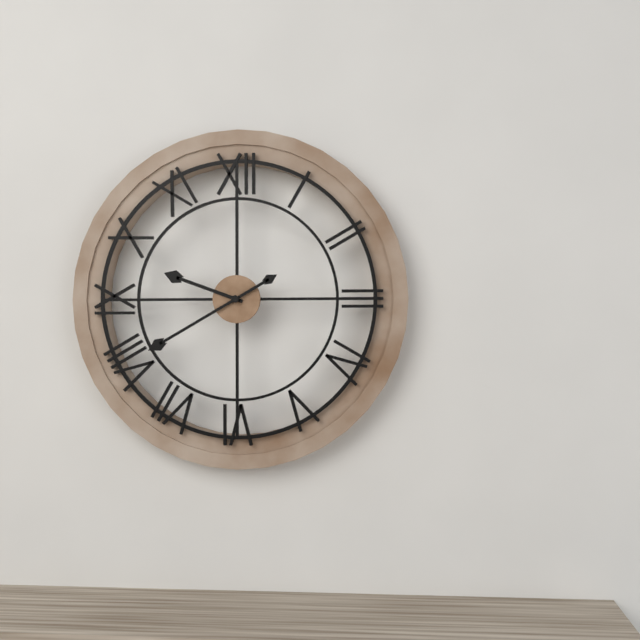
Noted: **9:40**
